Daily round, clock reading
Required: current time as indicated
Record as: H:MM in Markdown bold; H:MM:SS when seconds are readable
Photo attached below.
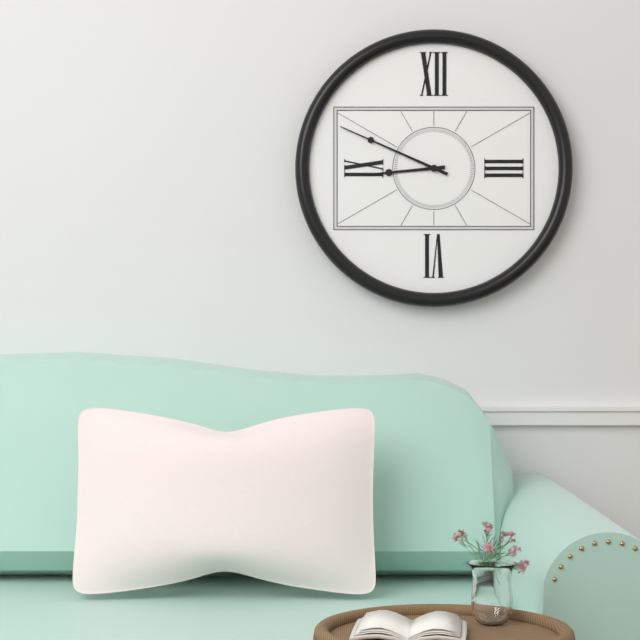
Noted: **8:49**
